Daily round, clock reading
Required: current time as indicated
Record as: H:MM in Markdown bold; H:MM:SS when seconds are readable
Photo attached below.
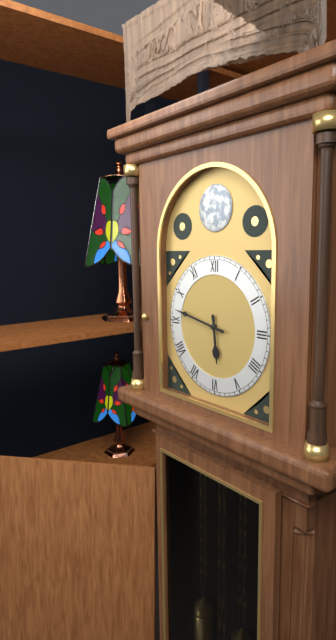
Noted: **5:47**
